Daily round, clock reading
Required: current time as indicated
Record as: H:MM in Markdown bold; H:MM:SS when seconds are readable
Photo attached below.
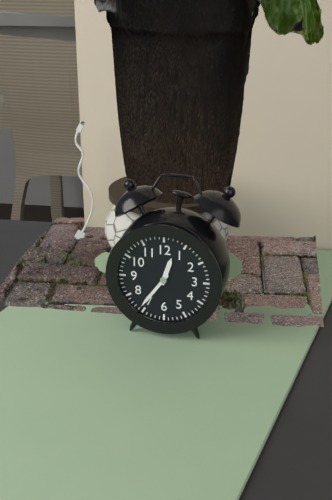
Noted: **12:36**
